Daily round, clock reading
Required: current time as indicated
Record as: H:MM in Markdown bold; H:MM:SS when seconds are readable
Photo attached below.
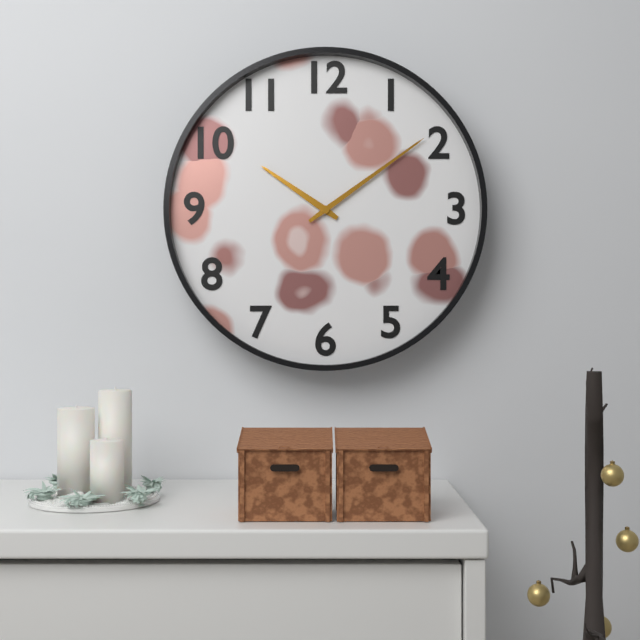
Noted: **10:09**
